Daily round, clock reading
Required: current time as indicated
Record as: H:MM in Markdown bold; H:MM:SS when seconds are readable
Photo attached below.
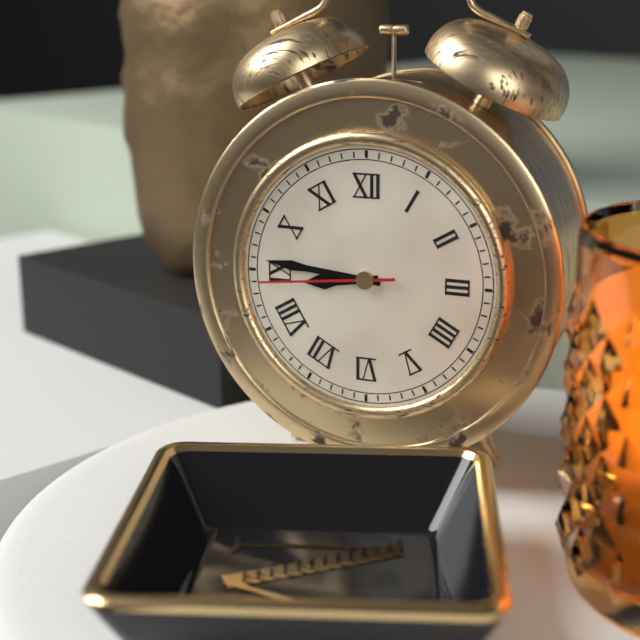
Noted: **8:46:44**
